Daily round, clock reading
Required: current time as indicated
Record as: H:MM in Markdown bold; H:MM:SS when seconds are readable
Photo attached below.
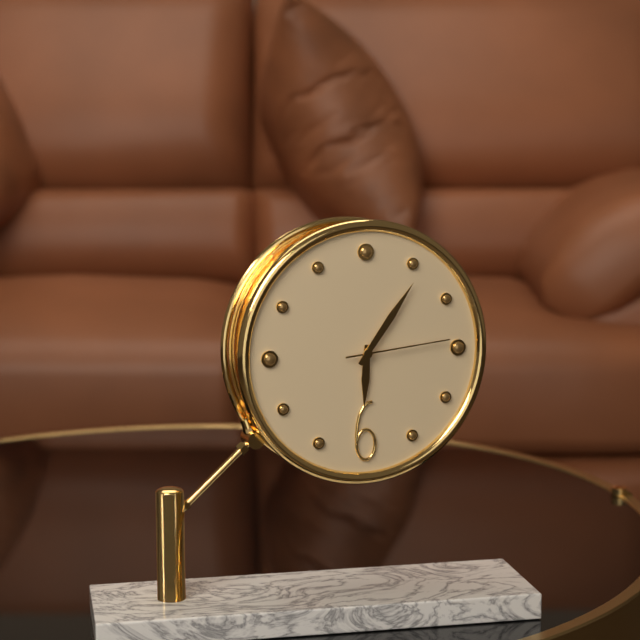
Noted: **6:06:14**
